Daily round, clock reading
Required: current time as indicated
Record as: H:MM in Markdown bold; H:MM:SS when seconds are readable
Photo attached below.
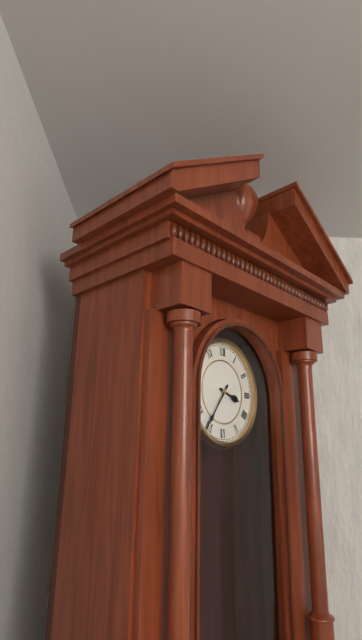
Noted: **3:36**
